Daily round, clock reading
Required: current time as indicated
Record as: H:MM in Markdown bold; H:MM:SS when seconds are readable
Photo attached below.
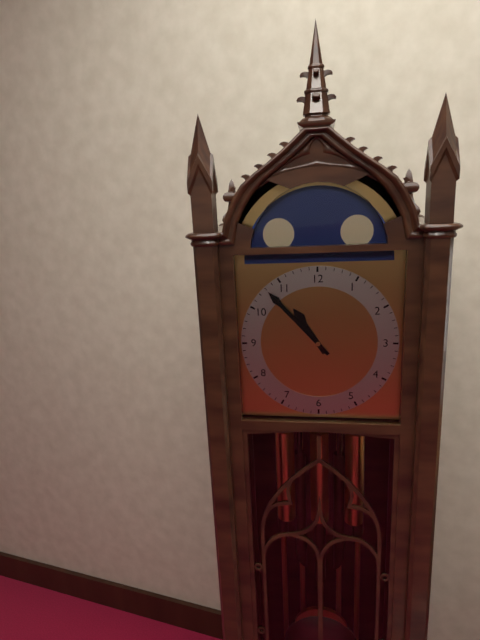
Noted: **10:53**
